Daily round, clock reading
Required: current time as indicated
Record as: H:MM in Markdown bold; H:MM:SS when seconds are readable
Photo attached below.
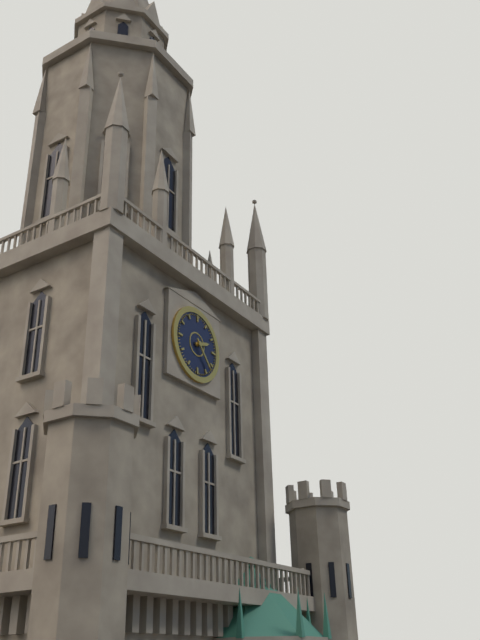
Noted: **2:23**
